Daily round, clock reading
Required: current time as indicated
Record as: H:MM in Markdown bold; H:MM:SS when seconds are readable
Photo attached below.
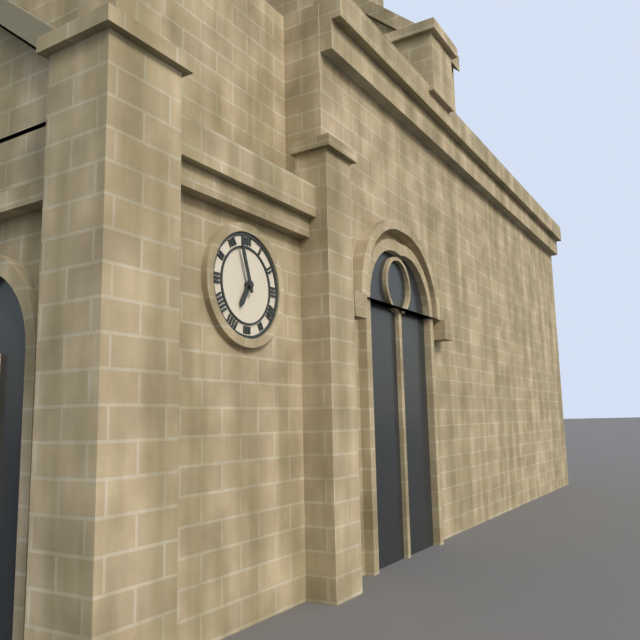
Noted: **6:57**
